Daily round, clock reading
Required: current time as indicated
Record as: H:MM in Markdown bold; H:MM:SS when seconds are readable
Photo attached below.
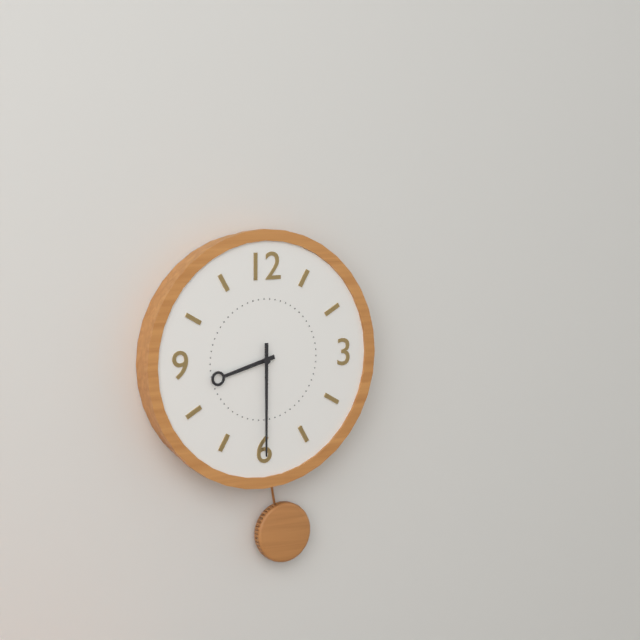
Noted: **8:30**
